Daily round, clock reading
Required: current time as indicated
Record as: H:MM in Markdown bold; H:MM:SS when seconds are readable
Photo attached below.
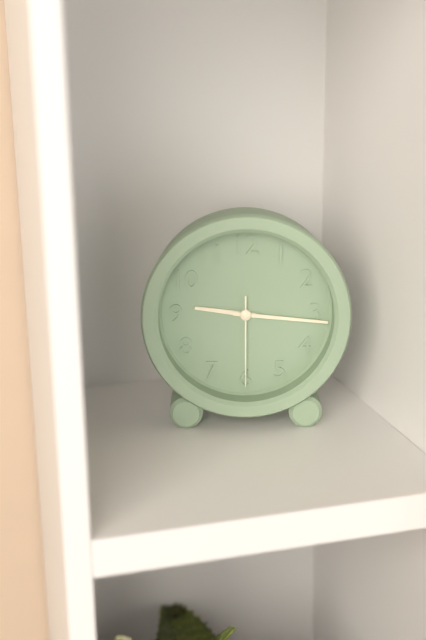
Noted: **9:16:30**
